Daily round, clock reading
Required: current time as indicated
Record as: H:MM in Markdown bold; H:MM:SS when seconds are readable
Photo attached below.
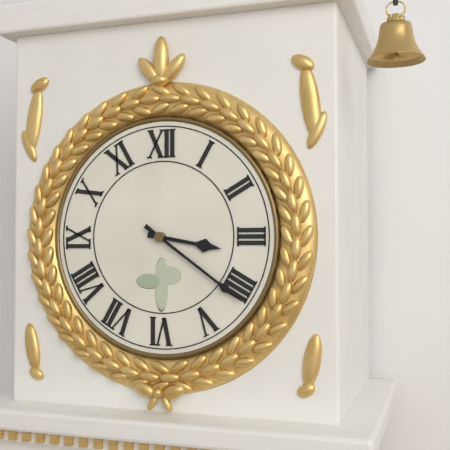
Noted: **3:21**
